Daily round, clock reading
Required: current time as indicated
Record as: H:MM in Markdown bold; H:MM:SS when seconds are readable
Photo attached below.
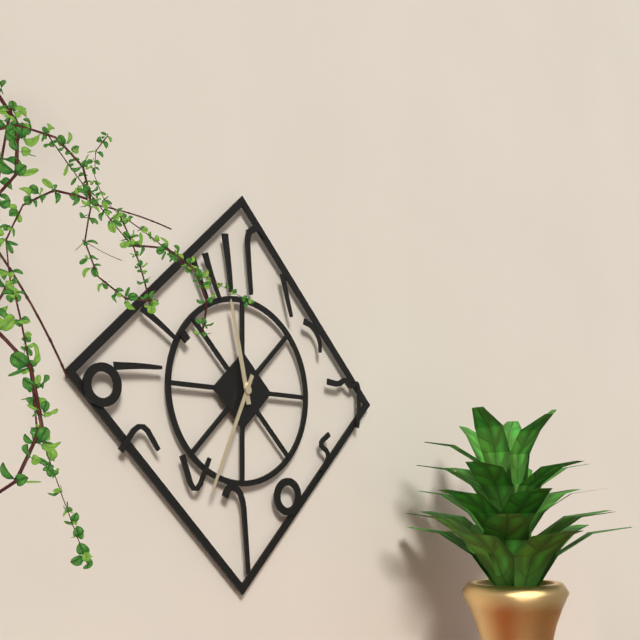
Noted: **11:34**
